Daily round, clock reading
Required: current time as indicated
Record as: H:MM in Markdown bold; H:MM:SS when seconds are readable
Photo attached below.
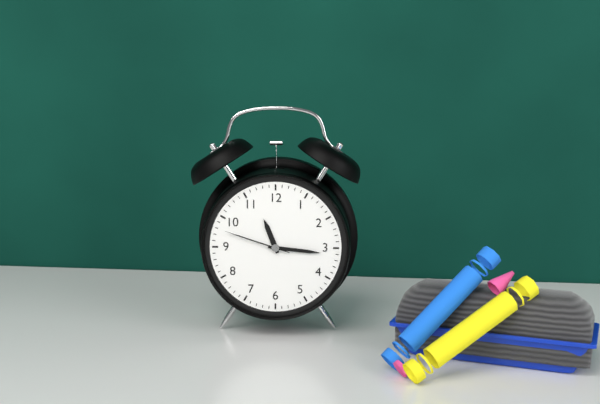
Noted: **11:16:48**
